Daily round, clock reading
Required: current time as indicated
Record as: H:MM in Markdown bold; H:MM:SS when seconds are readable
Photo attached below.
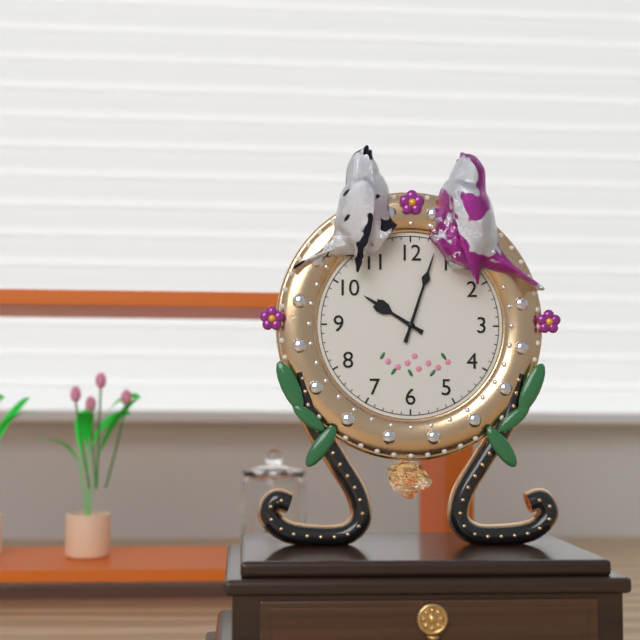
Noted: **10:03**
